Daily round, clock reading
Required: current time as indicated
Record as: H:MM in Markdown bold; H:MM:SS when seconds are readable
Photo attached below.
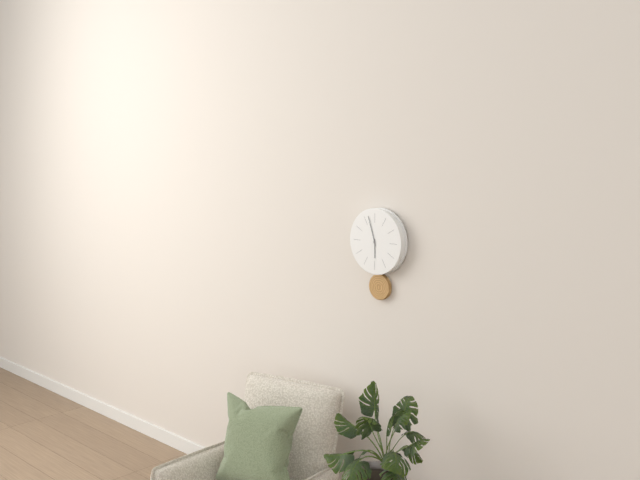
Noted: **5:57**
